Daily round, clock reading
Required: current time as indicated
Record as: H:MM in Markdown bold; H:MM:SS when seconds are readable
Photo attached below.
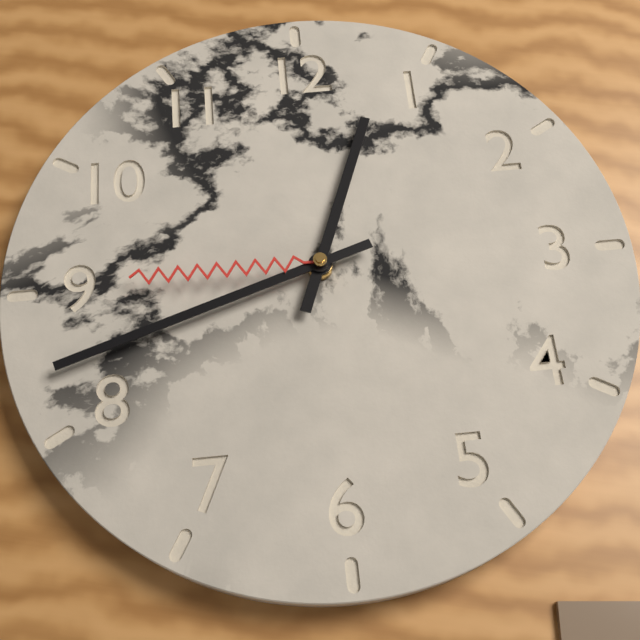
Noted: **12:42:45**
